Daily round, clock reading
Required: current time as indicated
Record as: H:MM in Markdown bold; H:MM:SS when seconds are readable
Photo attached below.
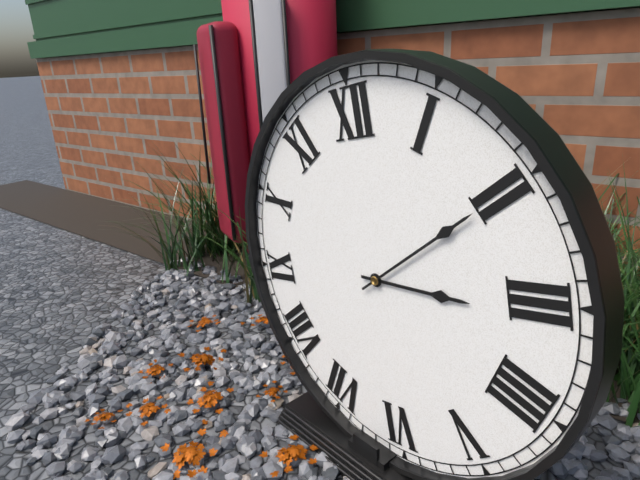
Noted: **3:10**
